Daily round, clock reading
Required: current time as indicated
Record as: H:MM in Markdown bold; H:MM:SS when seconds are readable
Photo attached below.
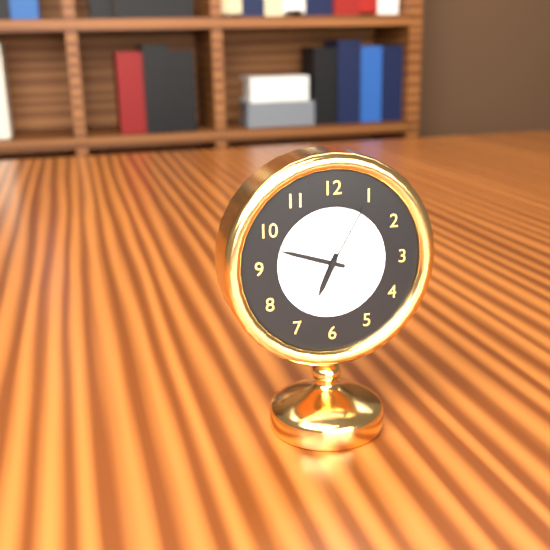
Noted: **6:48:05**
